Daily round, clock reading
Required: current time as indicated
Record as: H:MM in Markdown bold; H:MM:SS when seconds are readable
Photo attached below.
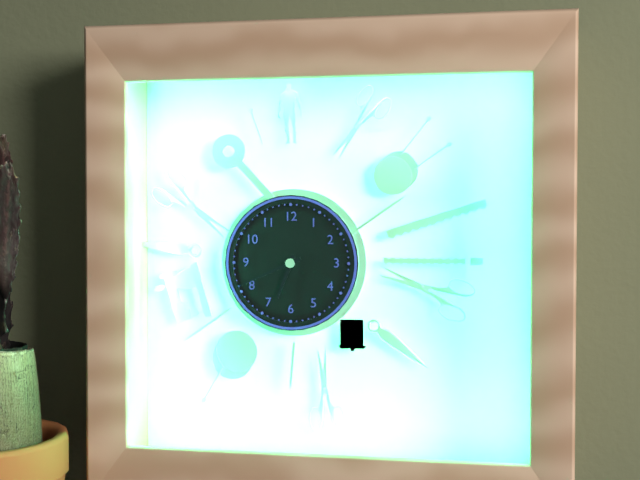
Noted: **6:41**
